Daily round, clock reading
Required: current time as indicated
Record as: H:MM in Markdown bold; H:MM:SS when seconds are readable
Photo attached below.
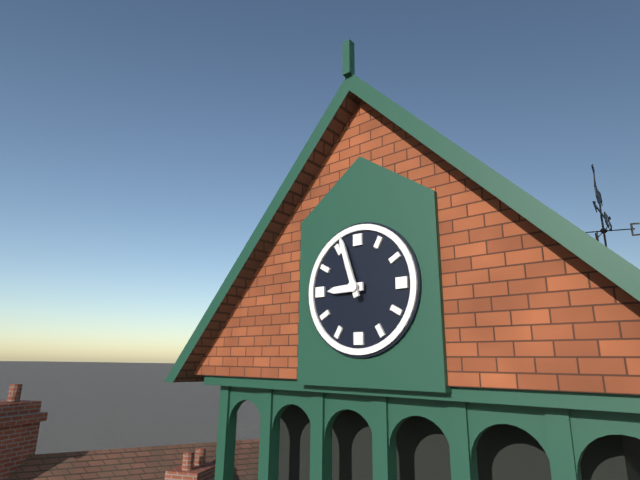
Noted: **8:57**
